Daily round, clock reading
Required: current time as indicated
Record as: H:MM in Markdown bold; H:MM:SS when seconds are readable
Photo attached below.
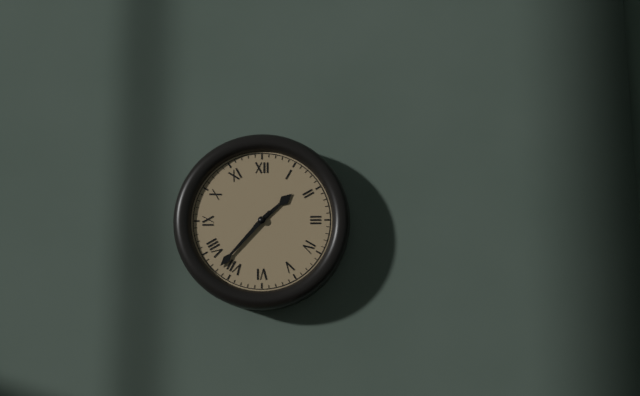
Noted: **1:37**
